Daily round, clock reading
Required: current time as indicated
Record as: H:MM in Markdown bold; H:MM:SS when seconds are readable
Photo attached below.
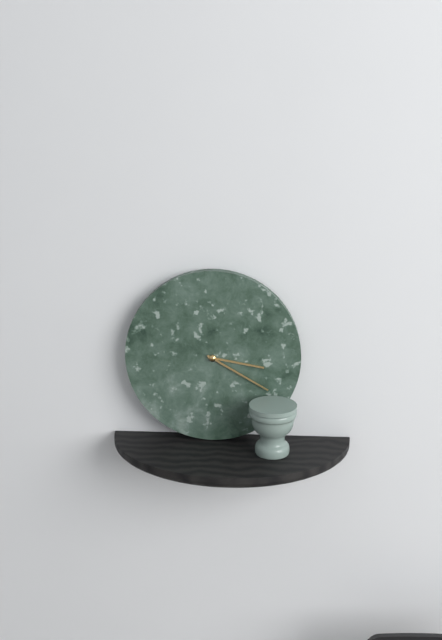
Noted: **3:20**
